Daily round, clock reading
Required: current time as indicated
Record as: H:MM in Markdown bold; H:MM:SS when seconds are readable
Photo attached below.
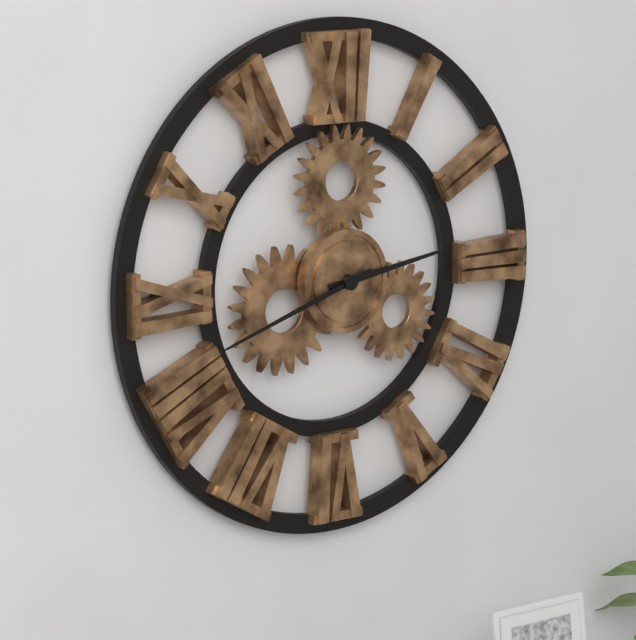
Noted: **2:42**
